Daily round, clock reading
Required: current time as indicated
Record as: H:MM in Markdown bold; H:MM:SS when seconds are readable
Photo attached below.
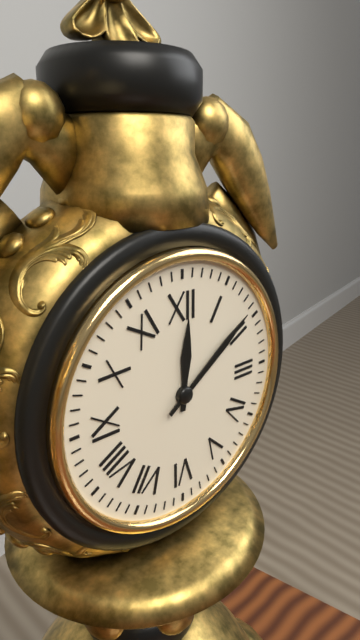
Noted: **12:09**
